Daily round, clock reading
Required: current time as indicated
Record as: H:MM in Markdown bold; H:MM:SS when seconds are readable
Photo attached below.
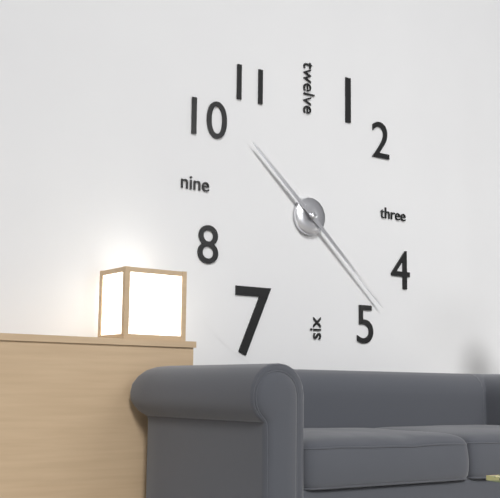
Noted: **10:22**
